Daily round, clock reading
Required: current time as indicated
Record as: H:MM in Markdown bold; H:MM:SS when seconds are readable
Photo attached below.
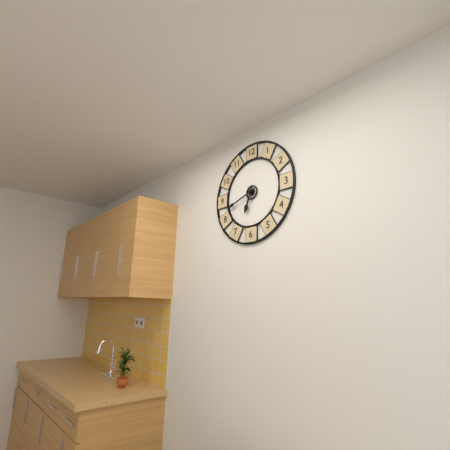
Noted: **6:42**
